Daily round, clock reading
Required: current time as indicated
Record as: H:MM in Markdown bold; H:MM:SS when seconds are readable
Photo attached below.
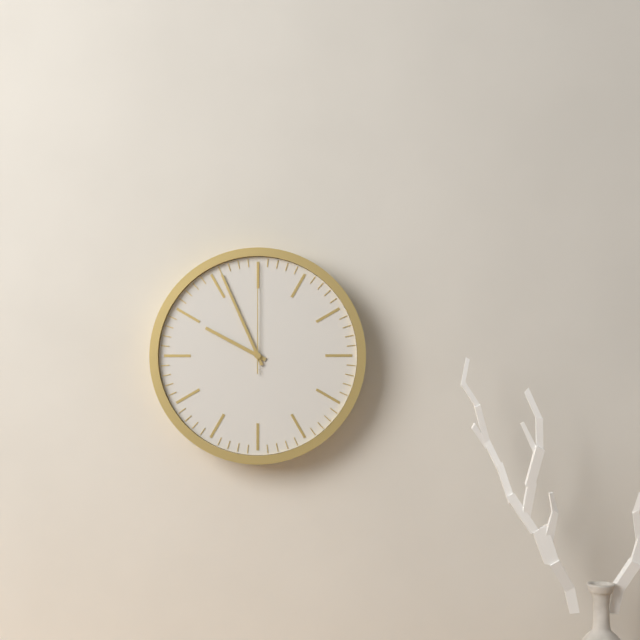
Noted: **9:56:00**
